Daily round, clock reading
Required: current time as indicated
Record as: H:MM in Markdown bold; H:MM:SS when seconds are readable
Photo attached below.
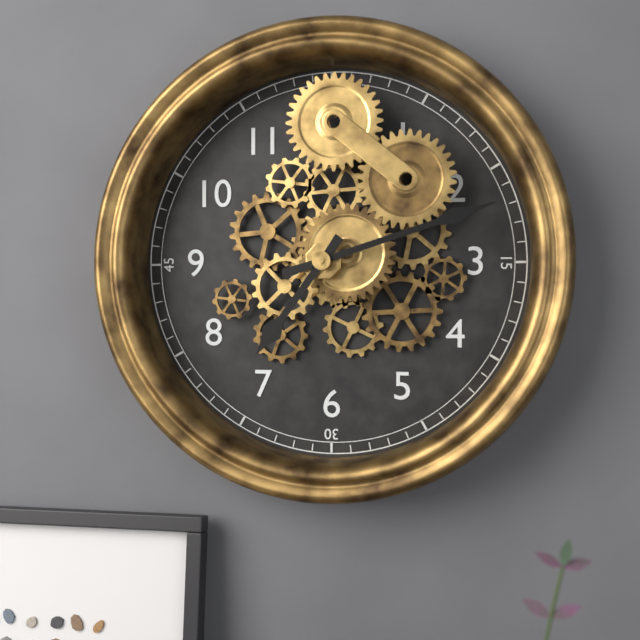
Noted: **7:12**
